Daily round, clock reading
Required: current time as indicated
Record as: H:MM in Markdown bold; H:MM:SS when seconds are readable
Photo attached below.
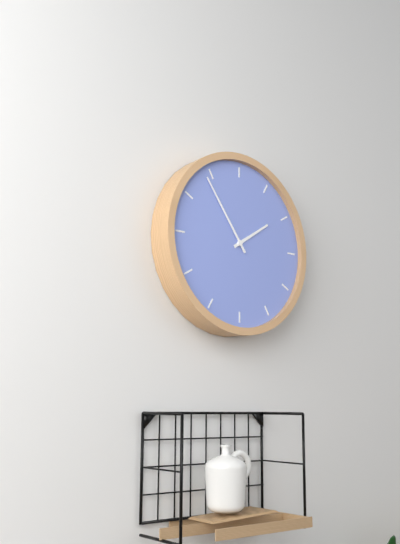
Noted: **1:54**
